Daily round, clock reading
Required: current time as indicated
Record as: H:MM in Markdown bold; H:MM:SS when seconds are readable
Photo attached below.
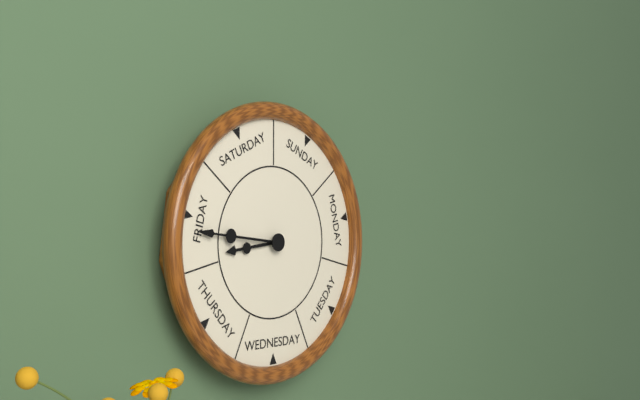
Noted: **8:46**
